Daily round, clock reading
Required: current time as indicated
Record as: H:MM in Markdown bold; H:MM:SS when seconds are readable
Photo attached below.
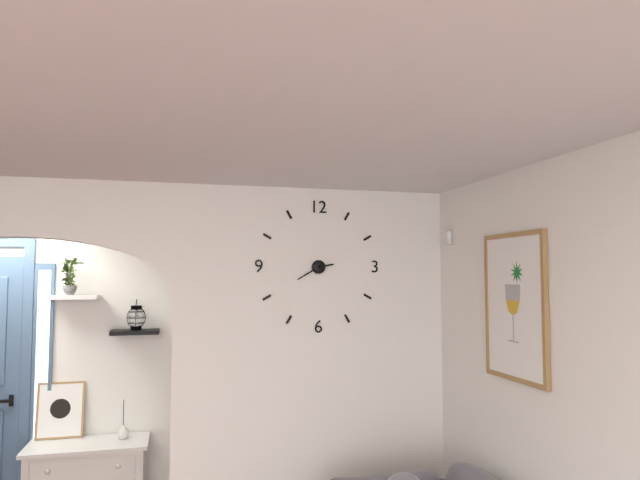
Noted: **2:40**
